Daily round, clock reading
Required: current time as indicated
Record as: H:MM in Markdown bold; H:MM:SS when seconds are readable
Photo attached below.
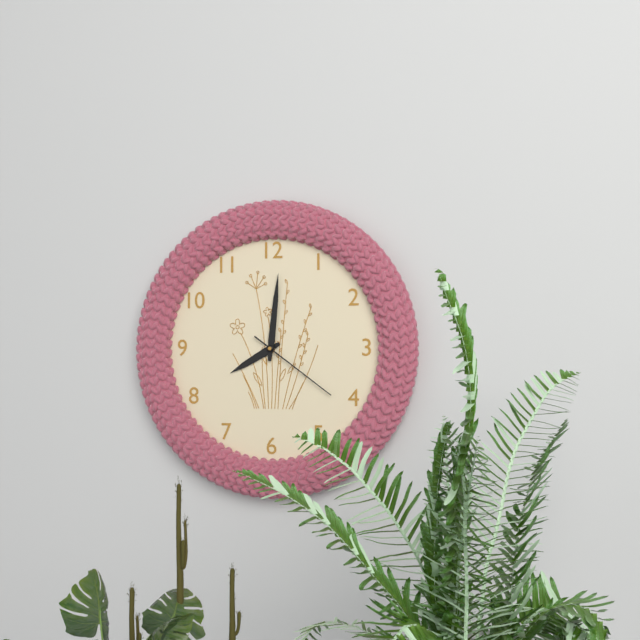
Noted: **8:01:21**
